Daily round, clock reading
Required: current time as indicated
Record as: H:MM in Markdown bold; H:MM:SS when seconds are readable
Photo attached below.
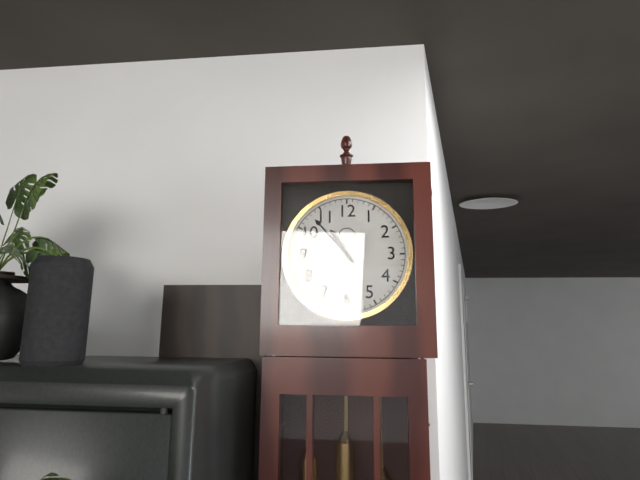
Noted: **10:53**
